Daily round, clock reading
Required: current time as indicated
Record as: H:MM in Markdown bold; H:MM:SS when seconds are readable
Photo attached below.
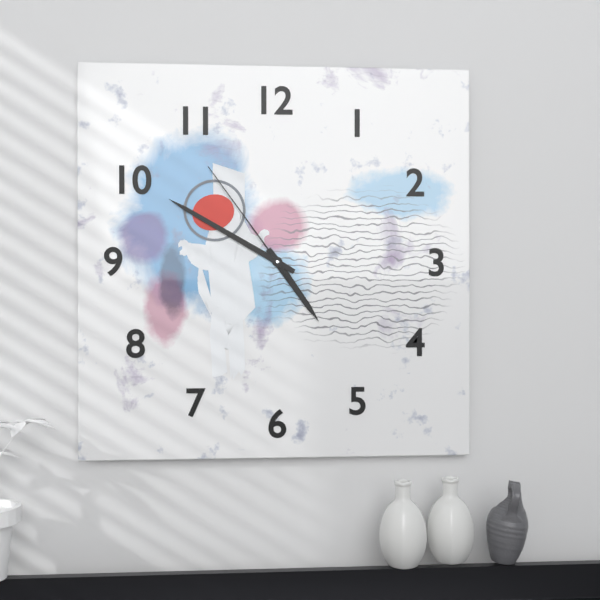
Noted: **4:50:54**
